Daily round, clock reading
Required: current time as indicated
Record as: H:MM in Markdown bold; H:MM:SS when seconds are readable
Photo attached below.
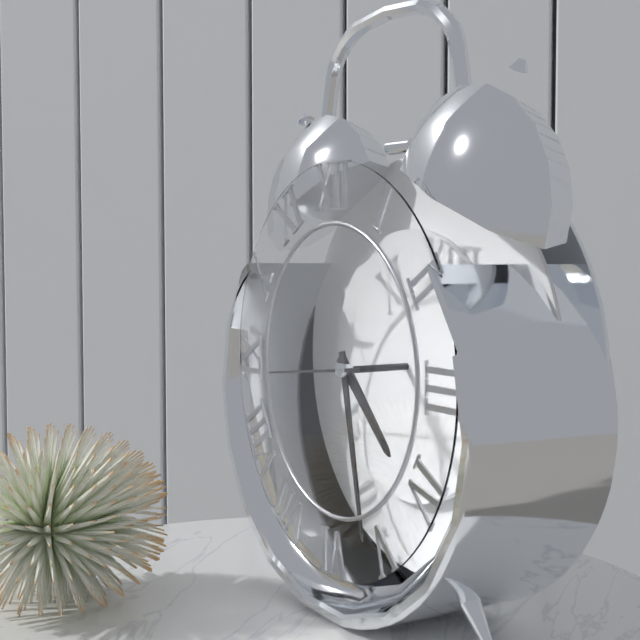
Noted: **4:28:44**
